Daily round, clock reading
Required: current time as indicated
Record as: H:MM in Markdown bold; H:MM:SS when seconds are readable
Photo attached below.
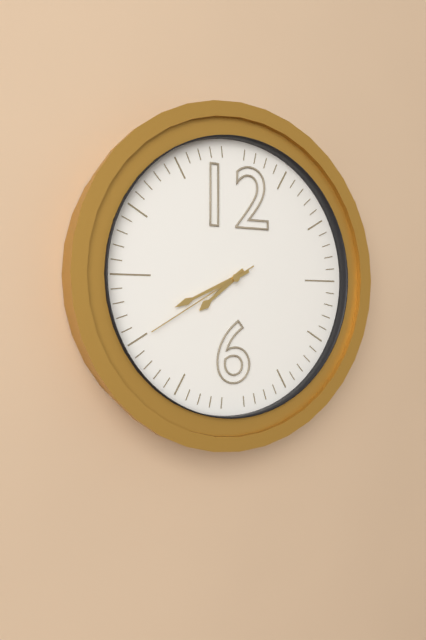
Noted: **7:41:40**
